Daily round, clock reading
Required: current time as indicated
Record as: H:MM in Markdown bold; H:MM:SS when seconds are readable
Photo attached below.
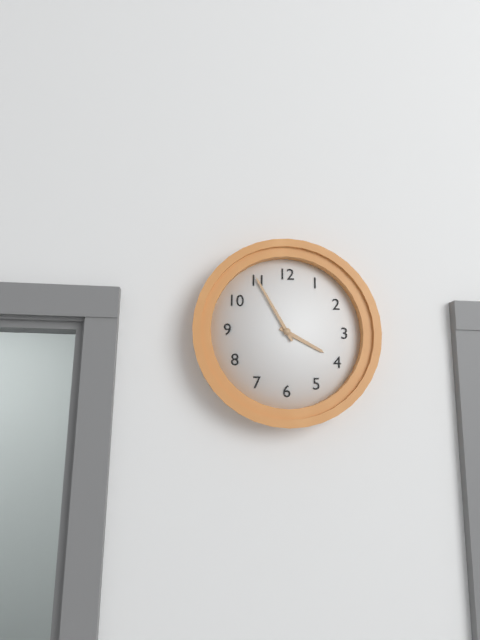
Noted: **3:55**
